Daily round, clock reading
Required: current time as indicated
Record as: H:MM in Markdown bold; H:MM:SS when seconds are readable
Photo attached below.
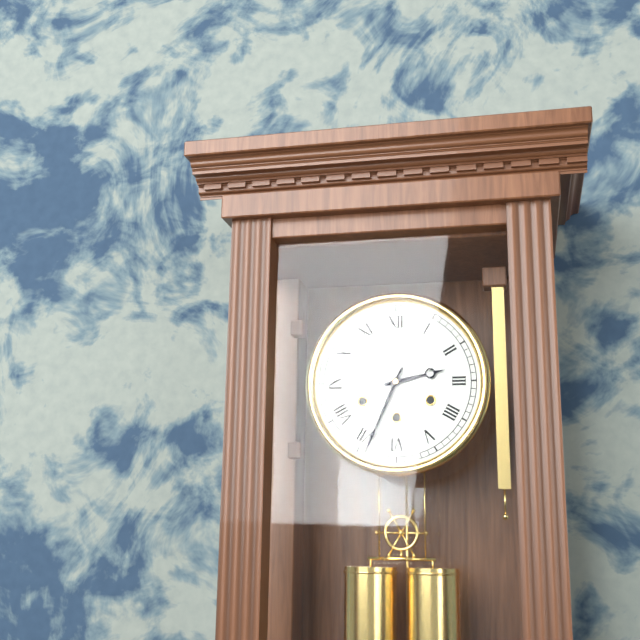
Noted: **2:34**
